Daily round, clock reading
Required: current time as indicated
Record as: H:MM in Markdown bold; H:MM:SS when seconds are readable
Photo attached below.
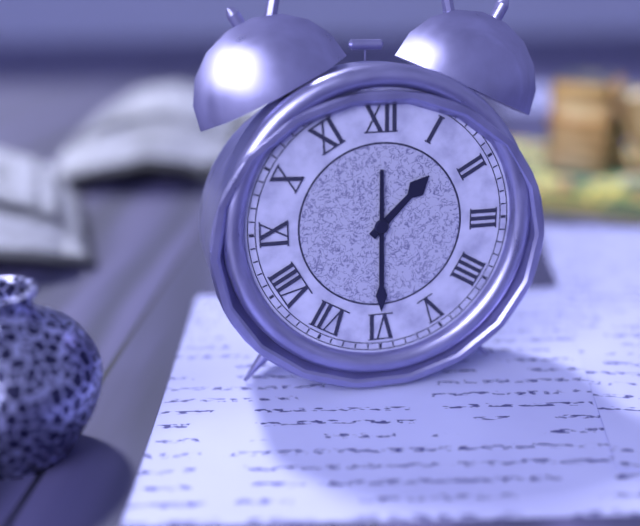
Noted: **1:30**
